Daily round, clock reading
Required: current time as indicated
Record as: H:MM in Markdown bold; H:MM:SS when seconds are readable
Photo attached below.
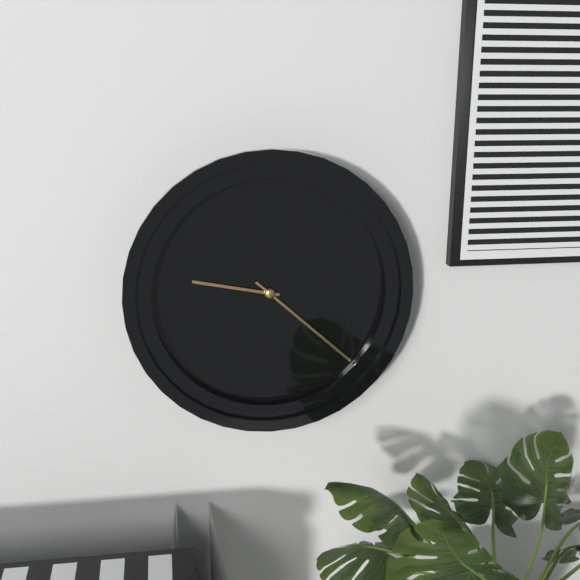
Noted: **9:22**
